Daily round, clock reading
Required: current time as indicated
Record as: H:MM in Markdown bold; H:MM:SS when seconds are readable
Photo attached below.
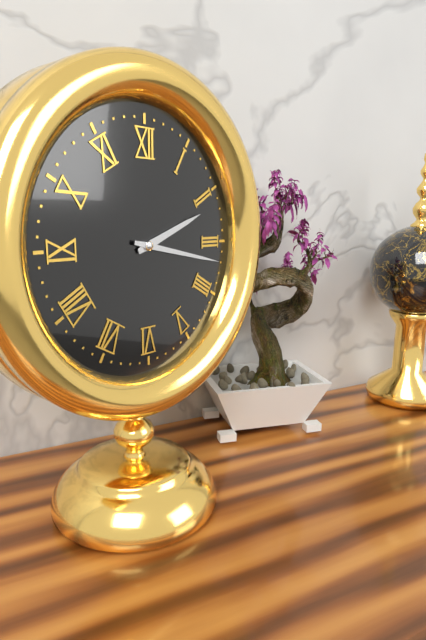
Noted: **2:17**
